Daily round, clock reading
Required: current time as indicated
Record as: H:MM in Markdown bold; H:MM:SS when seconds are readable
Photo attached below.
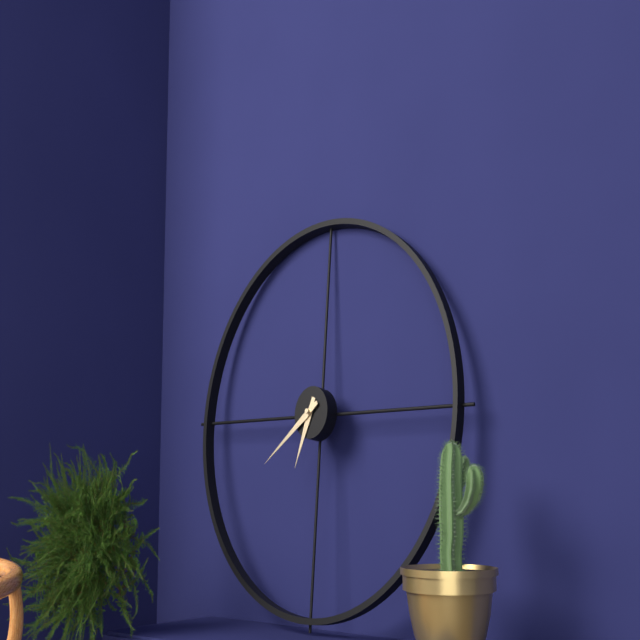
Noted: **6:39**
